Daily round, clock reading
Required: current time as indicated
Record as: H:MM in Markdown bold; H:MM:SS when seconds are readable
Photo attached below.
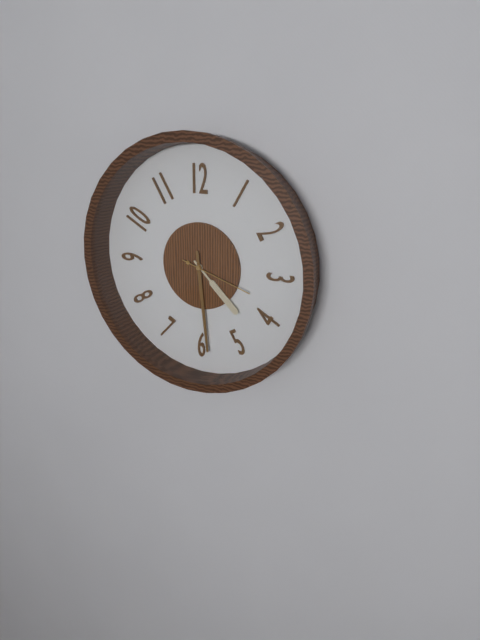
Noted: **4:29:18**
